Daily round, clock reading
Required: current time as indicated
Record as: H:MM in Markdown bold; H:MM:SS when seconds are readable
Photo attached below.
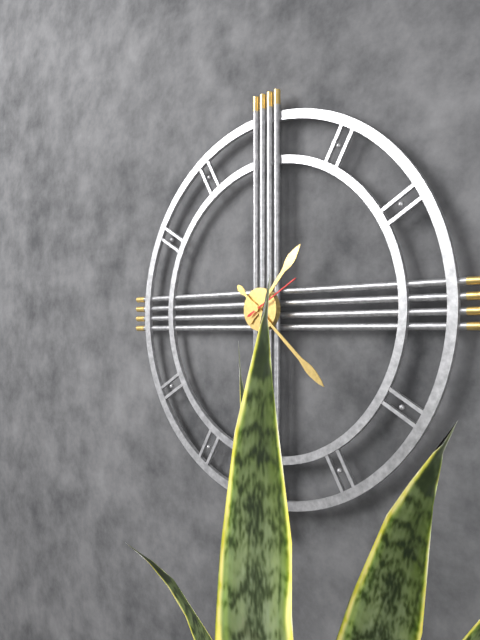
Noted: **1:22:10**
